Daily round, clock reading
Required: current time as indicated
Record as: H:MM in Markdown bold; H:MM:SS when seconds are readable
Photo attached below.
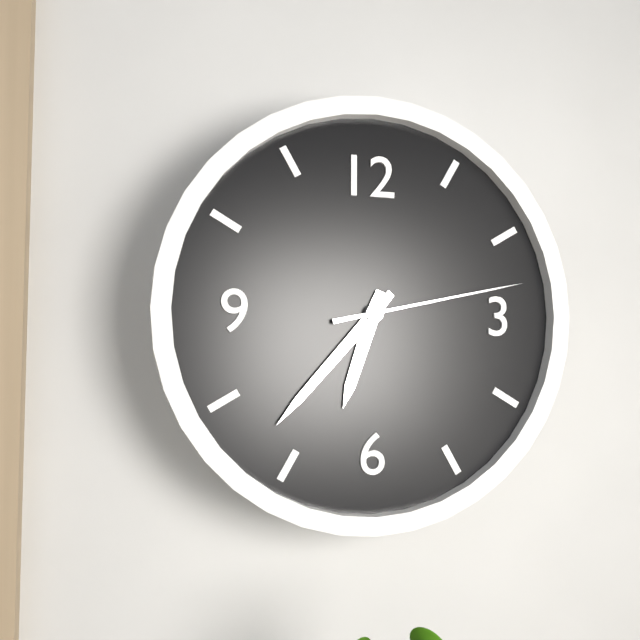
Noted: **6:37:13**
